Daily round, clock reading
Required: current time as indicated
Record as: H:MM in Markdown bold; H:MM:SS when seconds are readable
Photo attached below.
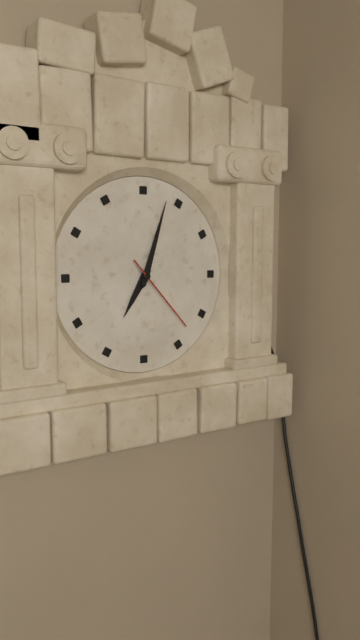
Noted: **7:03:23**
